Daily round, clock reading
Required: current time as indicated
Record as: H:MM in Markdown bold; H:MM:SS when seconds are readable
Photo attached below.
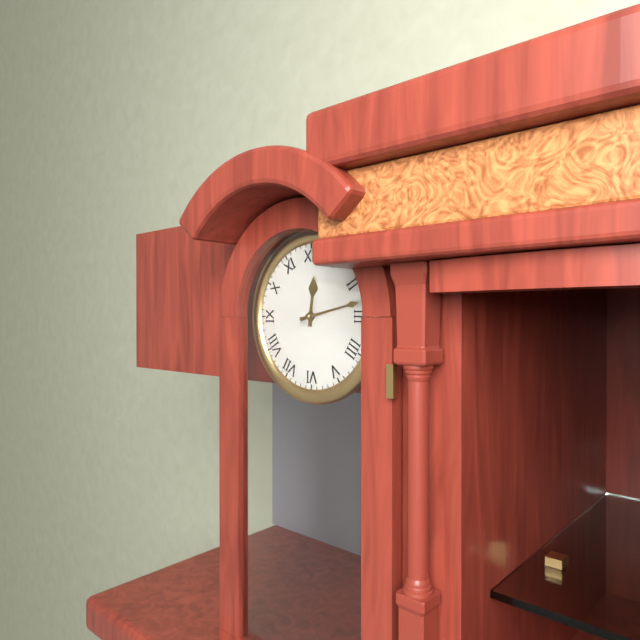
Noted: **12:13**
